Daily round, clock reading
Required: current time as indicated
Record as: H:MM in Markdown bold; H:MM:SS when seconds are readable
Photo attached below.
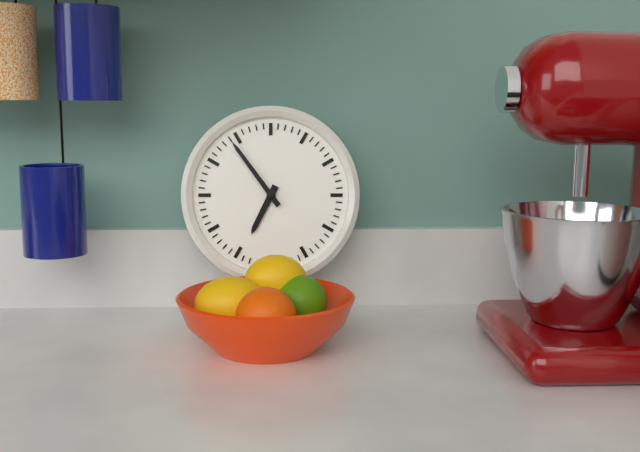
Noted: **6:54**
